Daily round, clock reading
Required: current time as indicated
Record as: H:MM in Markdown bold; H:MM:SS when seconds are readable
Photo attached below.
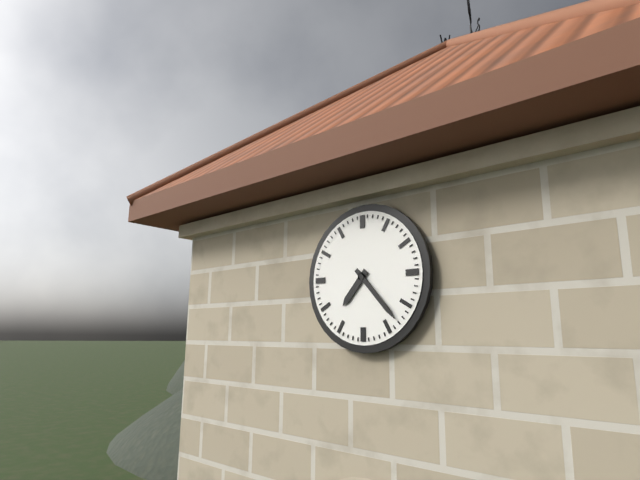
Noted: **7:23**
